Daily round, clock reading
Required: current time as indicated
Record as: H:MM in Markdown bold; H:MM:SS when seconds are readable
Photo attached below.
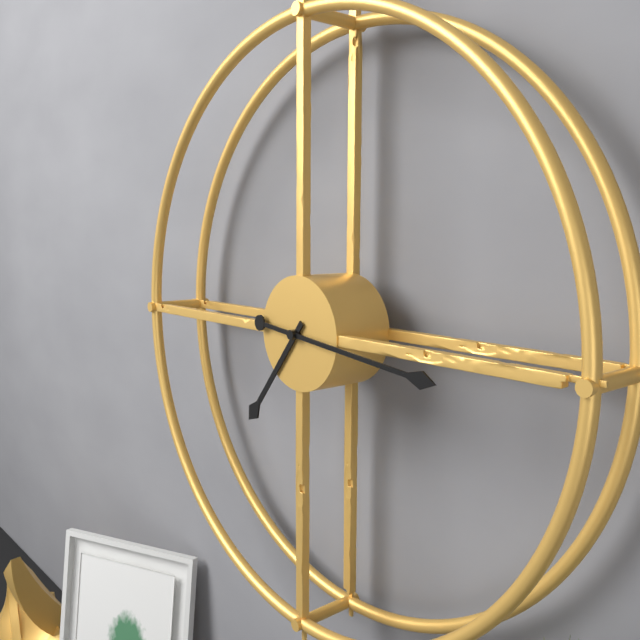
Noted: **7:16**
